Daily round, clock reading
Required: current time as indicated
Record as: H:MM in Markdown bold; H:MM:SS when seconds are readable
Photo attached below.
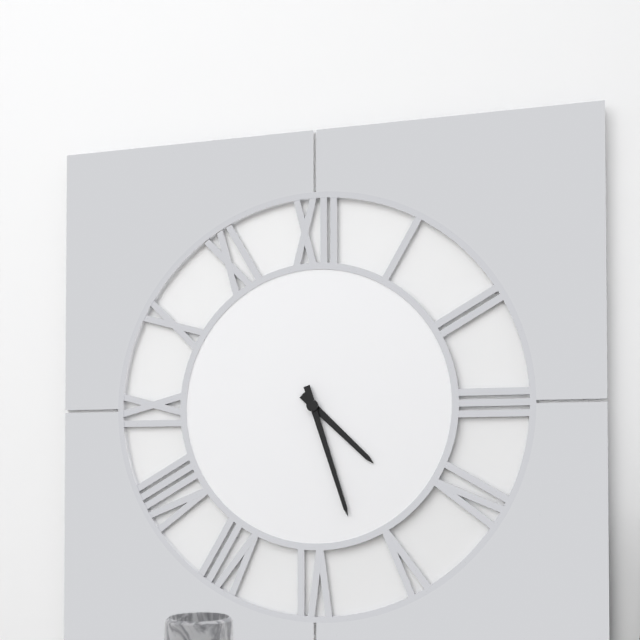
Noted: **4:27**
